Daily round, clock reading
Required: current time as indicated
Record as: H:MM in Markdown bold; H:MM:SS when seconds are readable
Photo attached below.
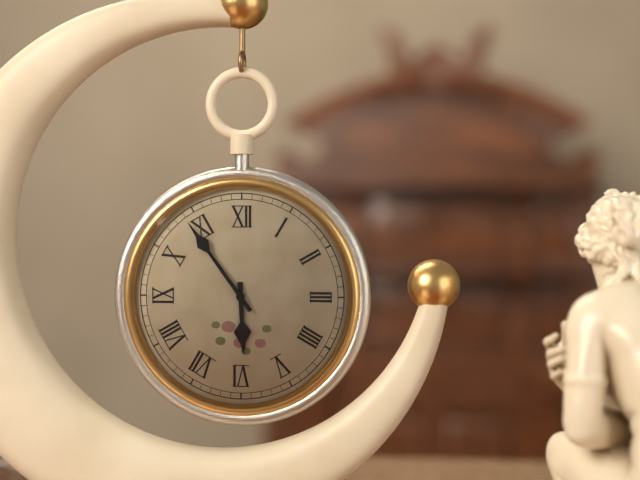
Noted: **5:54**
